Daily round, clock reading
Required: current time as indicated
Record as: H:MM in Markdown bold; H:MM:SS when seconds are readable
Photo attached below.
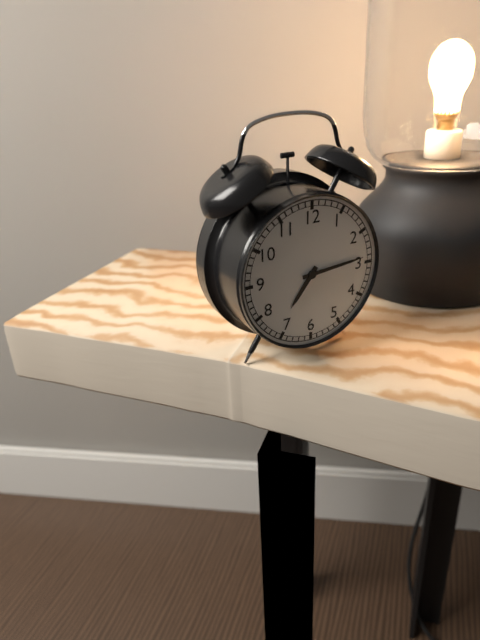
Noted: **7:14**
